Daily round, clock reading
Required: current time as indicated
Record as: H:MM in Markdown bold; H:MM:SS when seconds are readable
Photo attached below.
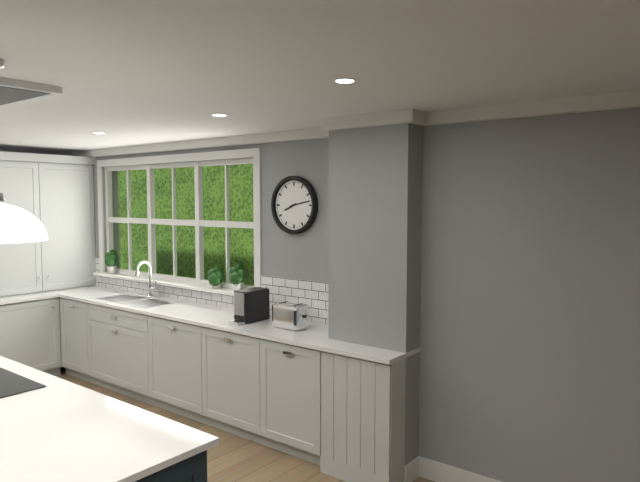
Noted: **8:13**
